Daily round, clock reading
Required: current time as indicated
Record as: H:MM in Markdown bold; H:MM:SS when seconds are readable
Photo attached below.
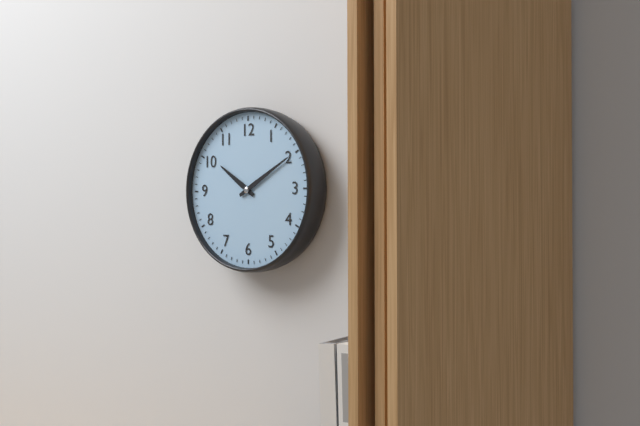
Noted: **10:10**
